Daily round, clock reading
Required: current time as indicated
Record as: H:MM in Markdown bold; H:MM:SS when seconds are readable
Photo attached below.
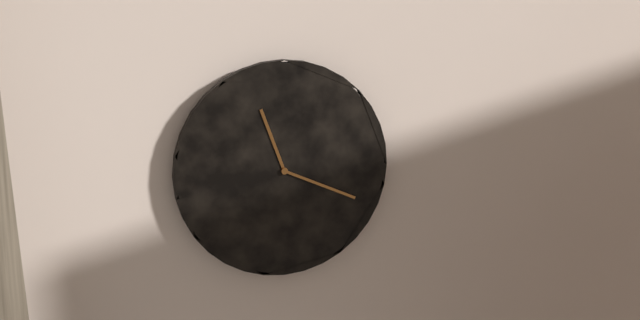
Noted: **11:19**
